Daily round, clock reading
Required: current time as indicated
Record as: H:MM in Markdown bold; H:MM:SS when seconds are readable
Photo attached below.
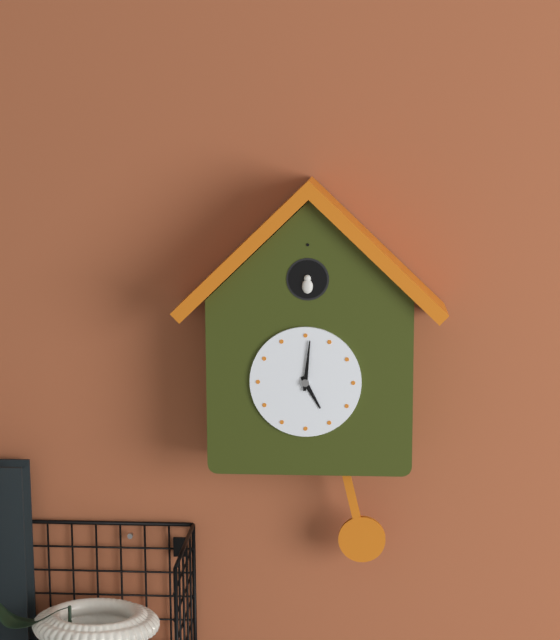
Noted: **5:01**
